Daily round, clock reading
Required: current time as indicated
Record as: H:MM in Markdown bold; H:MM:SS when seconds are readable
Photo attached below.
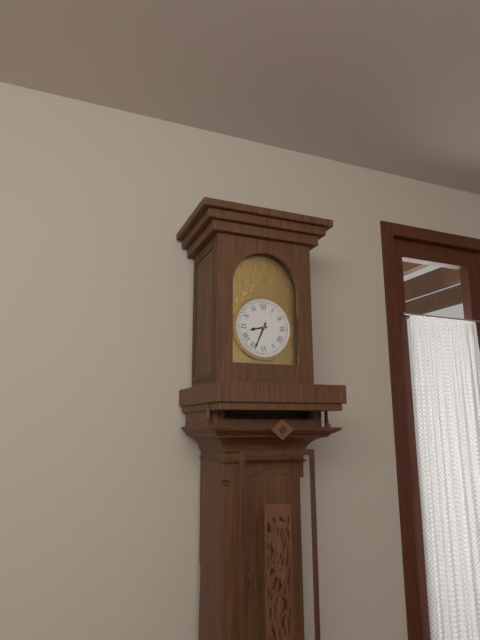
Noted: **8:34**
